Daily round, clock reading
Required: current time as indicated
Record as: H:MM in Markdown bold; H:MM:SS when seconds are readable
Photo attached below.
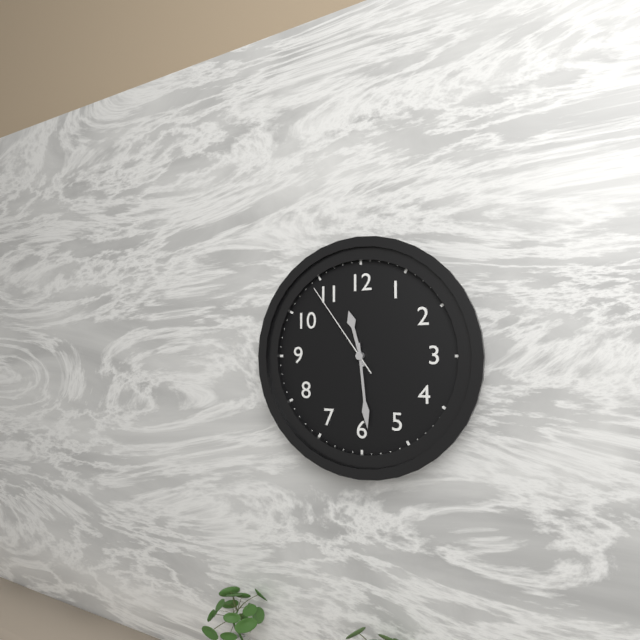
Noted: **11:29:54**
